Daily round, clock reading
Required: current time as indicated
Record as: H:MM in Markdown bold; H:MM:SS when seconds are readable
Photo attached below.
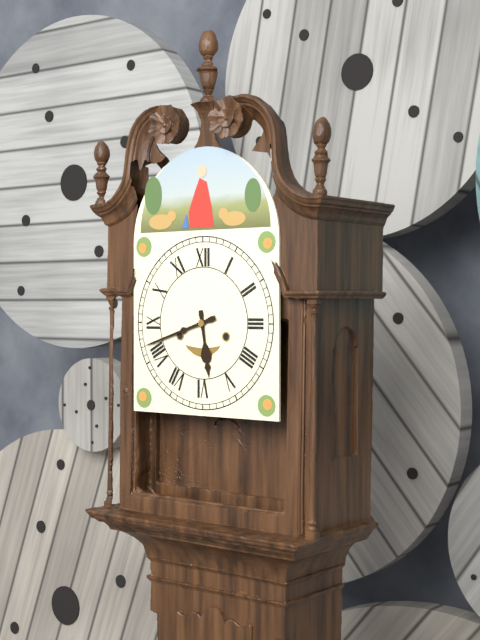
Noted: **5:42**
